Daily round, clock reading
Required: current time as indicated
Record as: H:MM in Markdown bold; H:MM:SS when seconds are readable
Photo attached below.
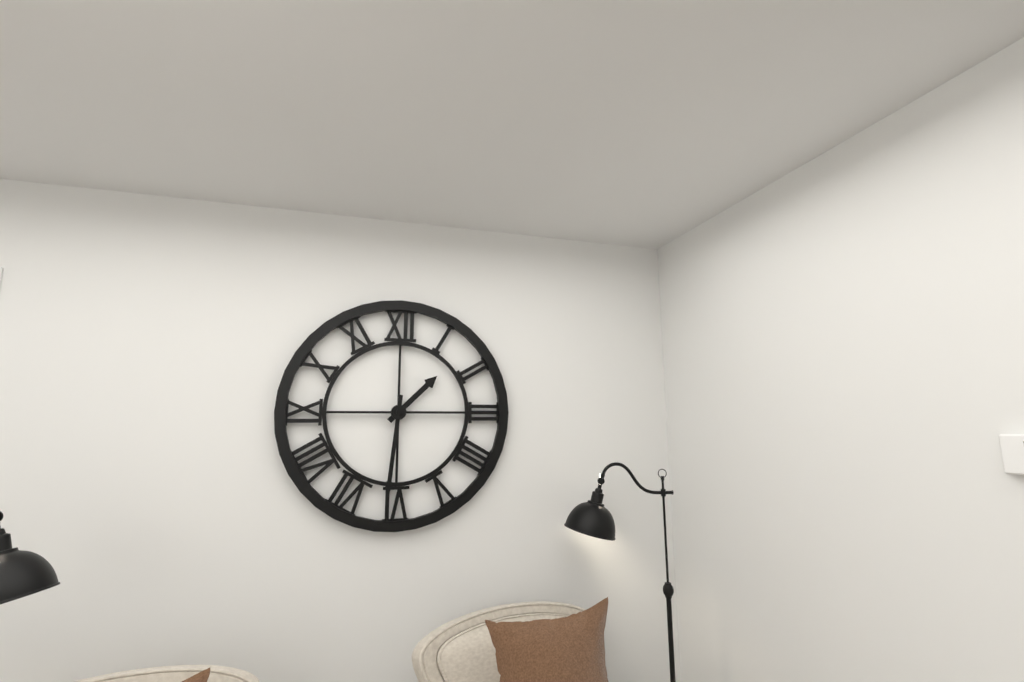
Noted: **1:31**
